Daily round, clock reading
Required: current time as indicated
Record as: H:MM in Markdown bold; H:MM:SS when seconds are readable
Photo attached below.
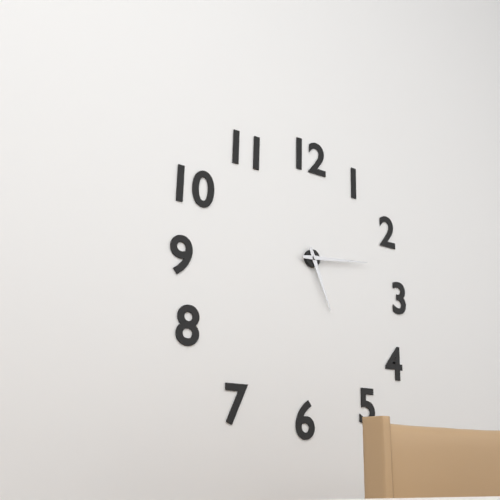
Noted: **5:14**
